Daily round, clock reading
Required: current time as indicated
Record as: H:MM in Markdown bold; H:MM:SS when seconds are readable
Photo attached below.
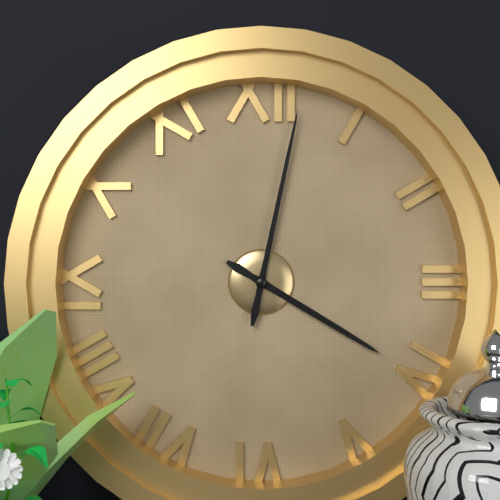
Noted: **4:02**
